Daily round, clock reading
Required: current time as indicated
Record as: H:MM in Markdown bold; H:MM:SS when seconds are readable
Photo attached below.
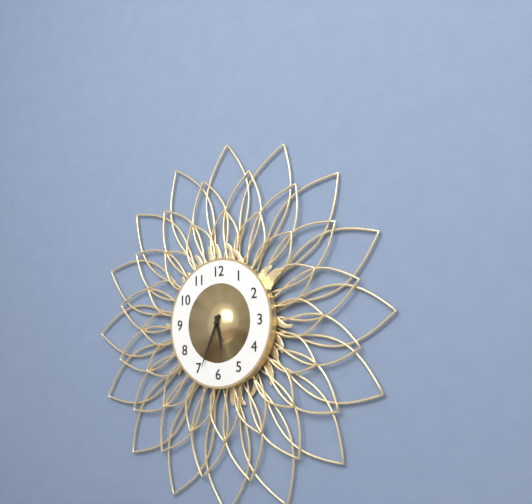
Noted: **5:34**
